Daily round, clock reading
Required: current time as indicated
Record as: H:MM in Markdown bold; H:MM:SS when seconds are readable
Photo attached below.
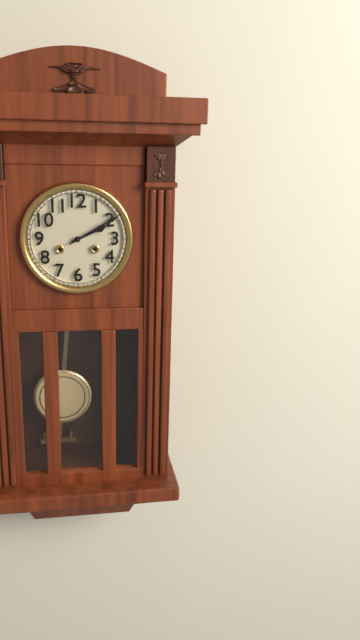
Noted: **2:10**
